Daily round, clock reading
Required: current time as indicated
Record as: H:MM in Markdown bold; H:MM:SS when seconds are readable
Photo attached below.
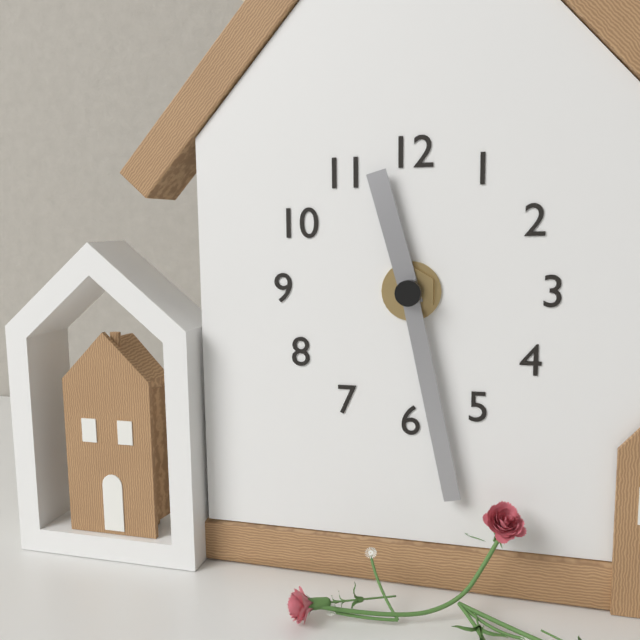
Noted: **11:28**
